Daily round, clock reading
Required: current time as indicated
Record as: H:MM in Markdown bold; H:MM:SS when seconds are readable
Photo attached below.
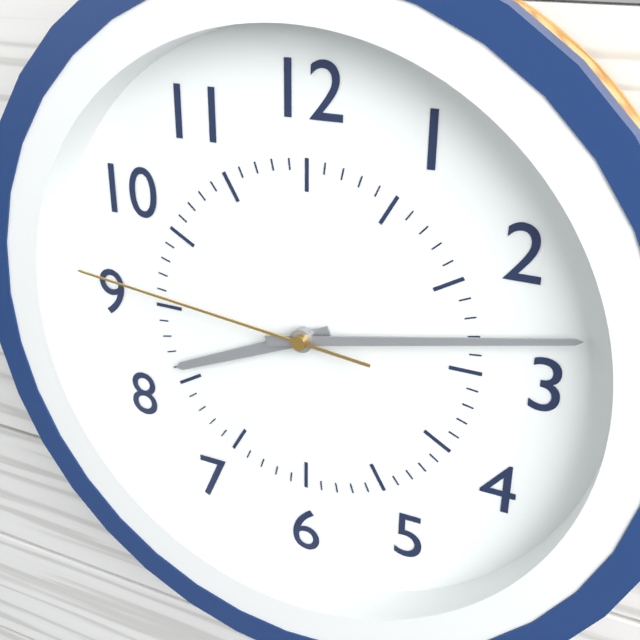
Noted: **8:13:46**
